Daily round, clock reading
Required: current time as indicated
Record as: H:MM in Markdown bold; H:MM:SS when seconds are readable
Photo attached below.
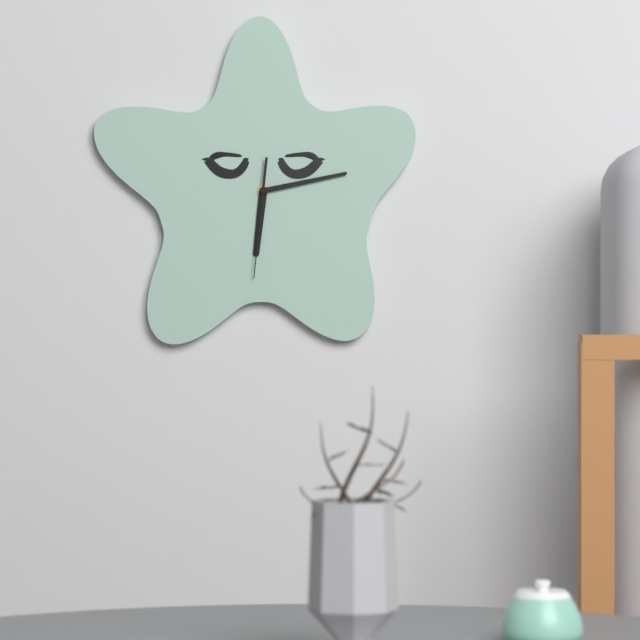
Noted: **6:13:31**
